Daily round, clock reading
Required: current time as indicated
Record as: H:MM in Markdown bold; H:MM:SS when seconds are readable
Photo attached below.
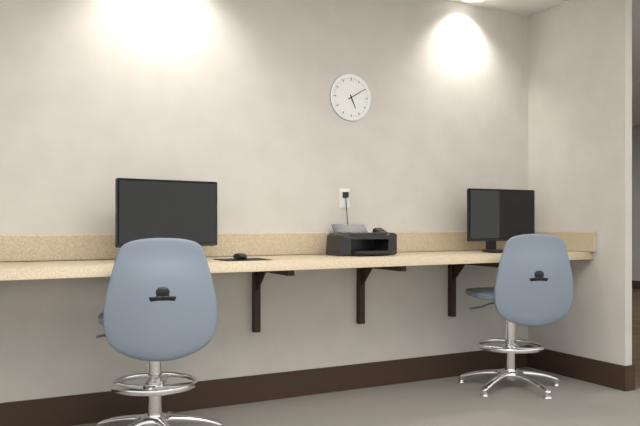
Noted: **5:10**
